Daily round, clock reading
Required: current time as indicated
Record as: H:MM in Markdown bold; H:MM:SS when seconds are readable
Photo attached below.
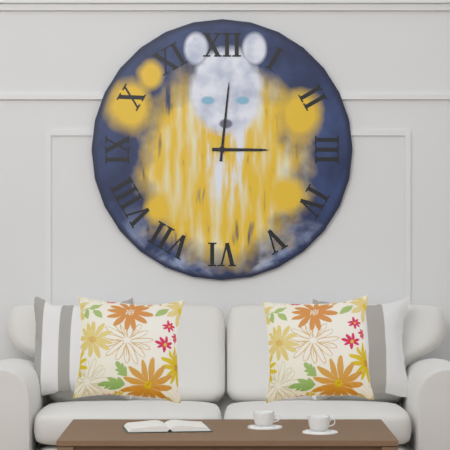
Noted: **3:01**
